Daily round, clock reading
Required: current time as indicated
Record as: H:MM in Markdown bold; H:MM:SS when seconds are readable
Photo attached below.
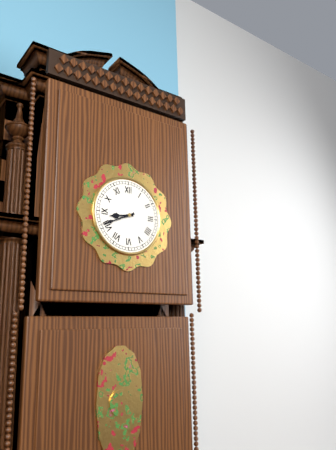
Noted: **8:41**
